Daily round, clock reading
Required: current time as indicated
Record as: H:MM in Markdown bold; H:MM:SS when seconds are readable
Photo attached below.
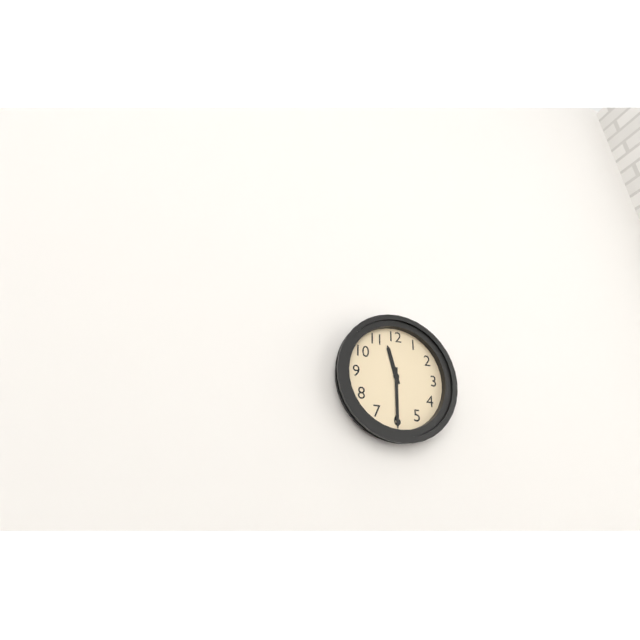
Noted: **11:30**
